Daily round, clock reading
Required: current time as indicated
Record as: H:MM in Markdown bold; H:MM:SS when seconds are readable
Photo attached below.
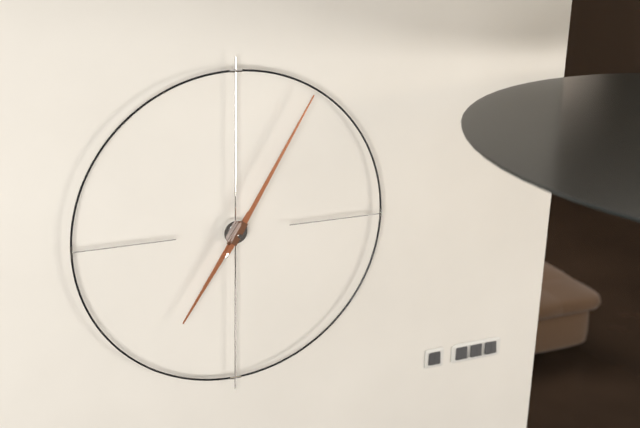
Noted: **7:05**
